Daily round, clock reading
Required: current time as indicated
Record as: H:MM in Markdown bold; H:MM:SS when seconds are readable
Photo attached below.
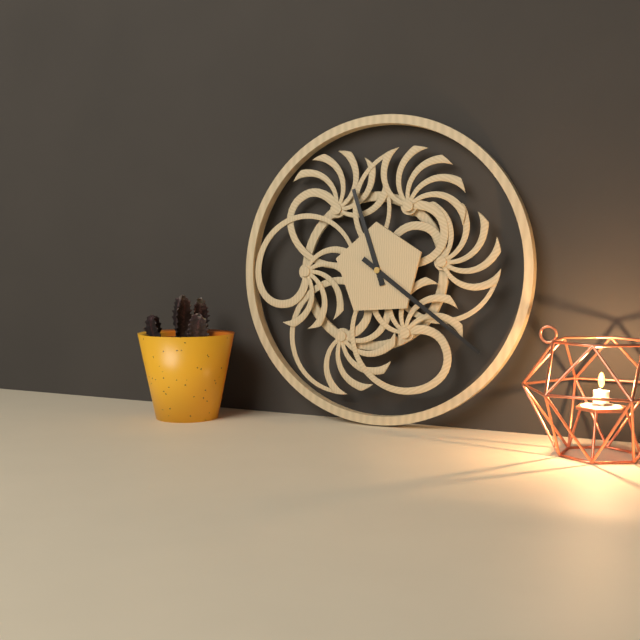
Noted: **11:21**
